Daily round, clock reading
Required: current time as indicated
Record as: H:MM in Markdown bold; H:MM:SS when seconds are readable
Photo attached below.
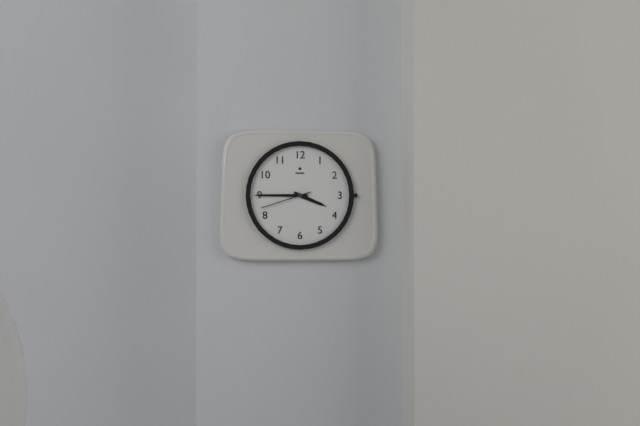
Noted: **3:45:42**
